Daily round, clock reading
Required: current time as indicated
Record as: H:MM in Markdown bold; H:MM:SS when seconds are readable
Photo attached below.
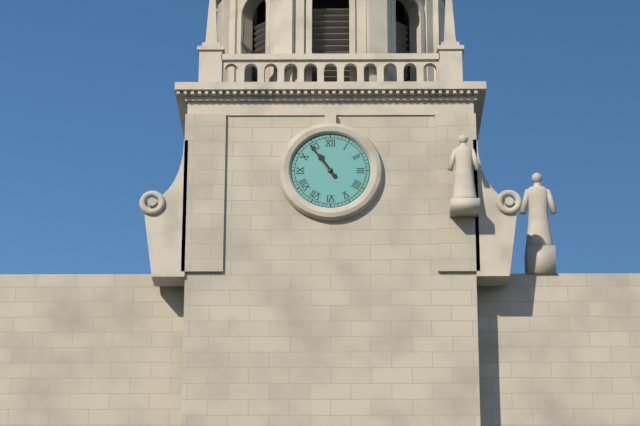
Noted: **10:54**
